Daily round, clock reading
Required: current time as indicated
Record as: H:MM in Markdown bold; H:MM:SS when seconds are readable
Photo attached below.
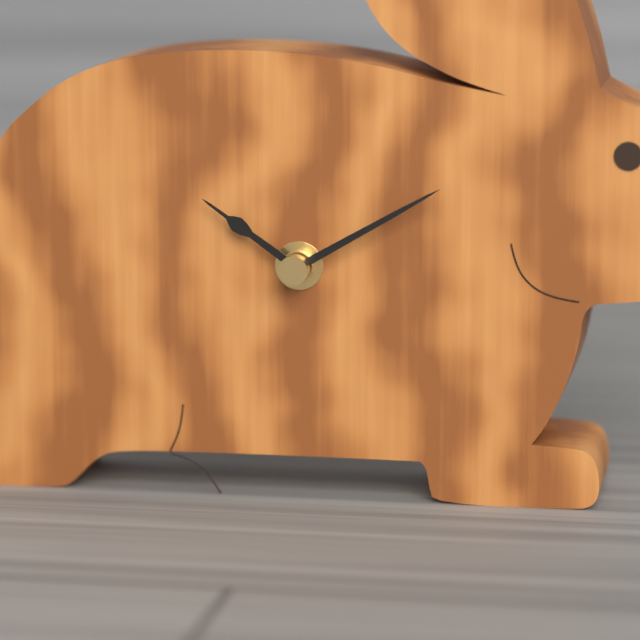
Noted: **10:10**
